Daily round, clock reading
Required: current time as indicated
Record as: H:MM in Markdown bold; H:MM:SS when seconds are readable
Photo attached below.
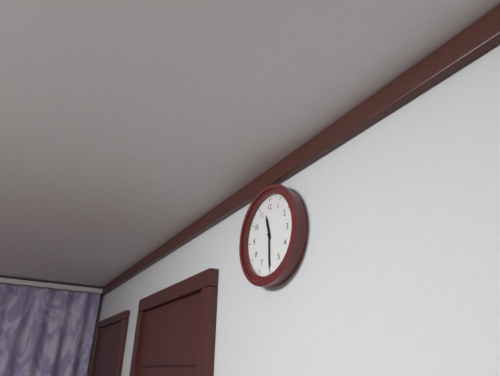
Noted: **11:30**
